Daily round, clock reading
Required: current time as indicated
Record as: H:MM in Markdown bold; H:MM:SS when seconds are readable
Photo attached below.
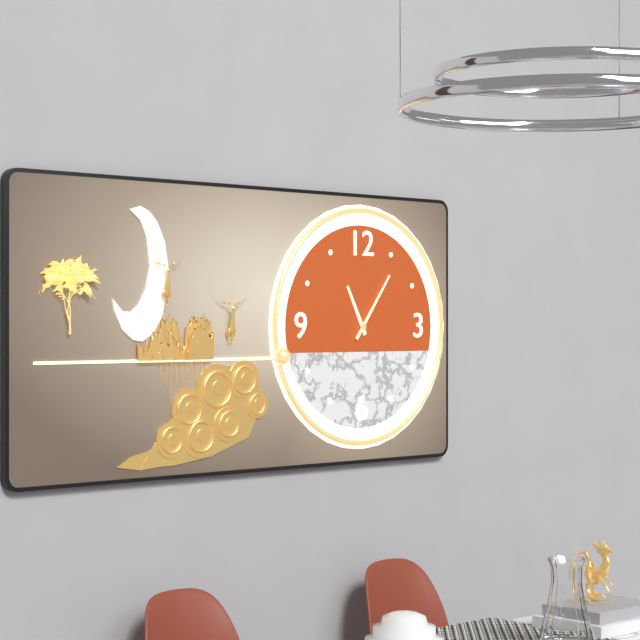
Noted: **11:06**
